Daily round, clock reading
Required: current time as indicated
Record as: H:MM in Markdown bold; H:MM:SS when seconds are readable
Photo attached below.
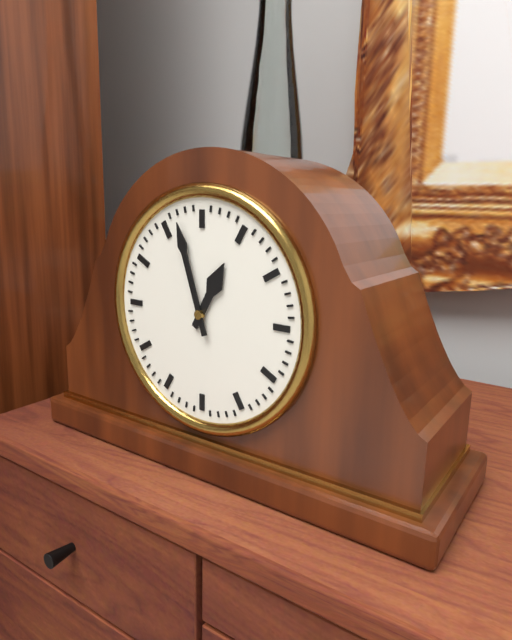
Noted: **12:57**
